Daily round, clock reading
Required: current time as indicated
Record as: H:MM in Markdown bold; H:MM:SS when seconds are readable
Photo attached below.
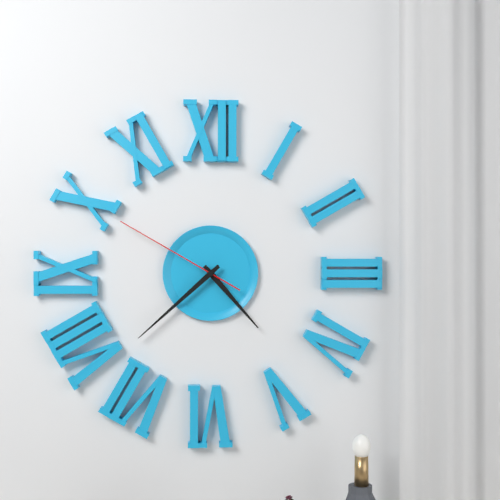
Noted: **4:38:50**
